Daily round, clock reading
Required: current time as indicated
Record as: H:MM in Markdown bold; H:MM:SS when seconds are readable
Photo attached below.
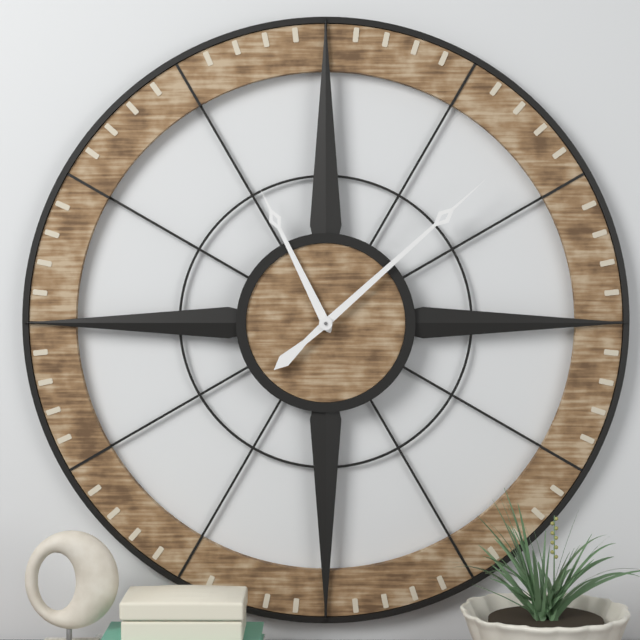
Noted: **11:08**
